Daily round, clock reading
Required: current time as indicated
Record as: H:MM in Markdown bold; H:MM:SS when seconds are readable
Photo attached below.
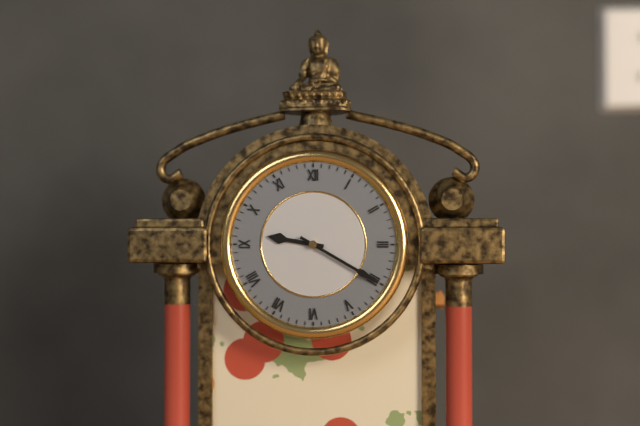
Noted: **9:20**
